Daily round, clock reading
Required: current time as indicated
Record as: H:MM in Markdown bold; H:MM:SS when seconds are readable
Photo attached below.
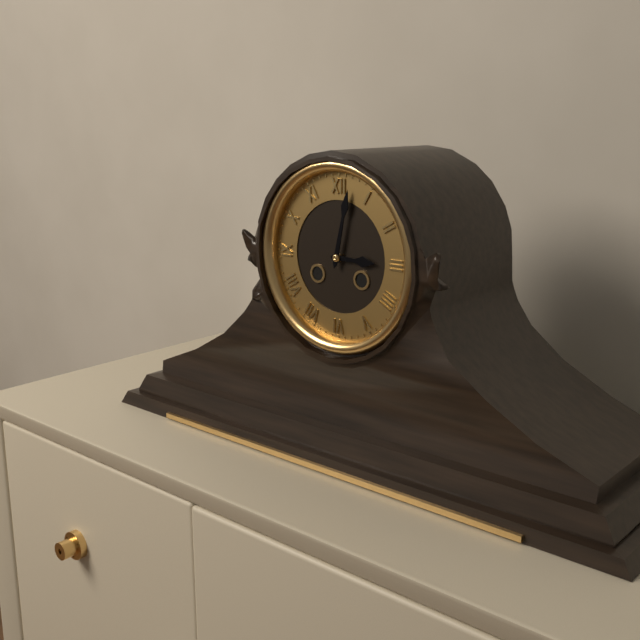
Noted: **3:02**
